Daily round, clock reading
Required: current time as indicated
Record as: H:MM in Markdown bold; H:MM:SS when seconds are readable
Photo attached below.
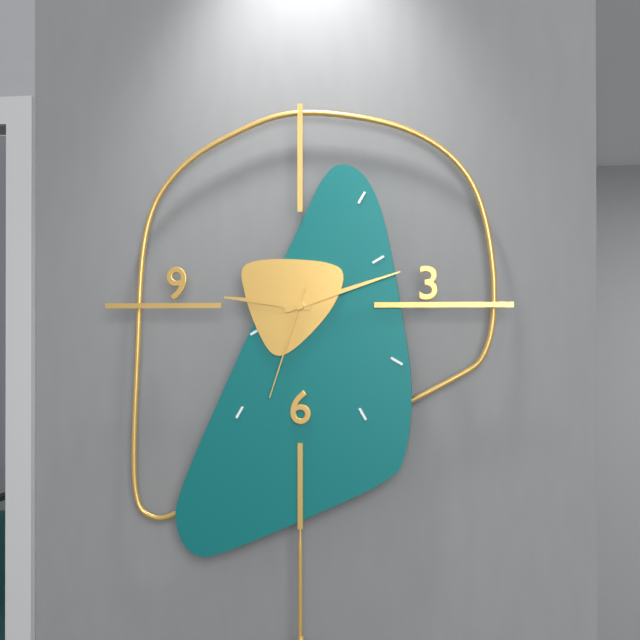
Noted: **9:12:33**
